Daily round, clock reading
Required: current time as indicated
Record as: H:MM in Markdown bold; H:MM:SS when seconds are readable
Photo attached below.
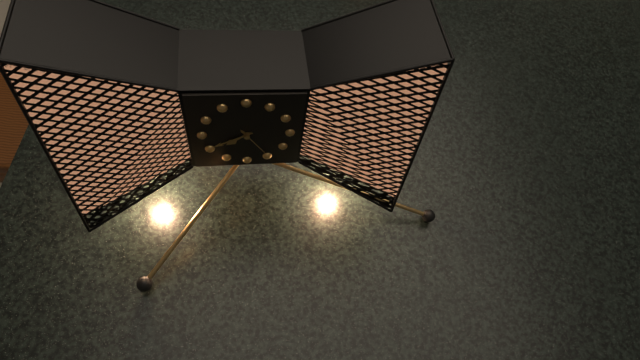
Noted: **7:40**
